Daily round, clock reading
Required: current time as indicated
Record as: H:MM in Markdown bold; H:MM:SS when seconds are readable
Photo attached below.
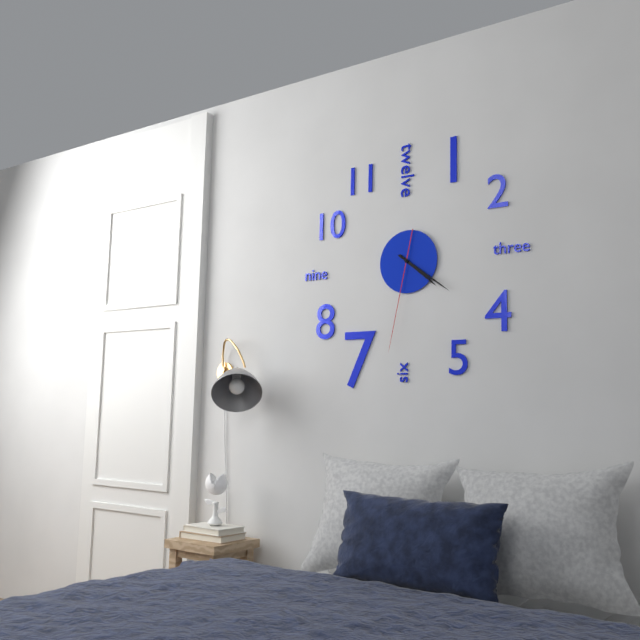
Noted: **4:21:32**
